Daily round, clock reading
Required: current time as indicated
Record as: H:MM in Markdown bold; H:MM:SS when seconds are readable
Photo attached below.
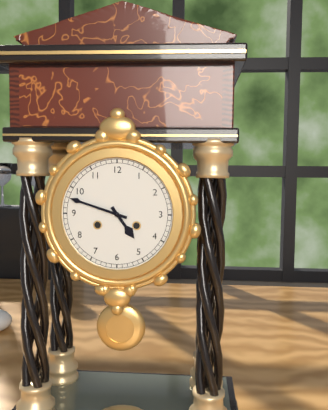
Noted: **4:48**
